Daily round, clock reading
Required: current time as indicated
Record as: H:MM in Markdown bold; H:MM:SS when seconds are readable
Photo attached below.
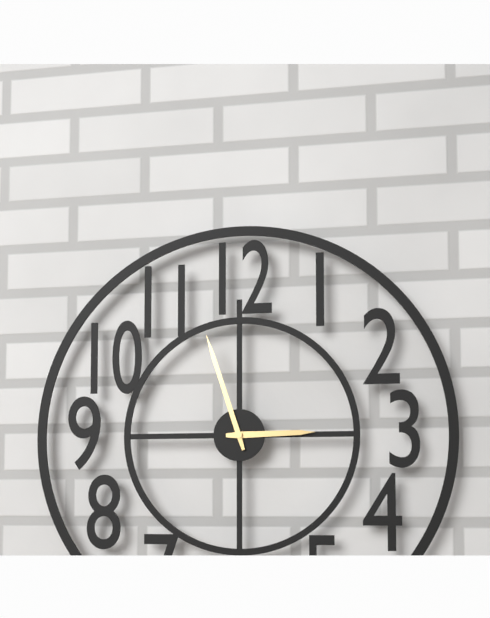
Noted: **2:57**
